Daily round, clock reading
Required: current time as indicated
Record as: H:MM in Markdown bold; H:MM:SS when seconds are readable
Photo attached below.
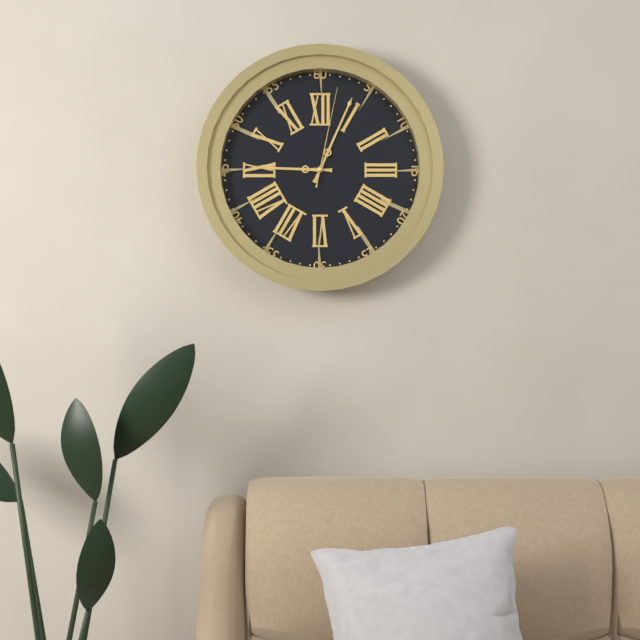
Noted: **9:04:02**
